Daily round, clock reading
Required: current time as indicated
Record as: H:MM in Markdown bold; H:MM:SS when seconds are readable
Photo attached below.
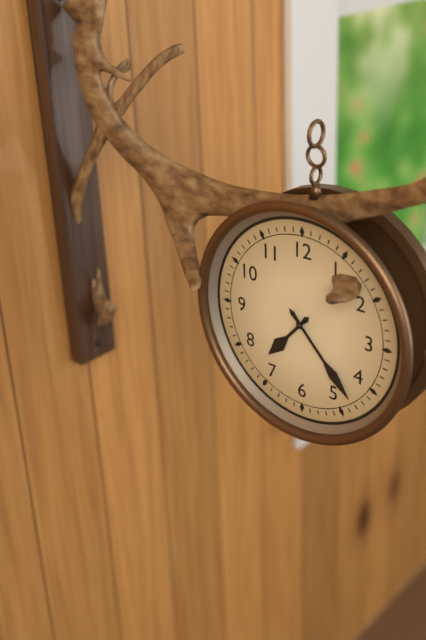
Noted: **7:23**
